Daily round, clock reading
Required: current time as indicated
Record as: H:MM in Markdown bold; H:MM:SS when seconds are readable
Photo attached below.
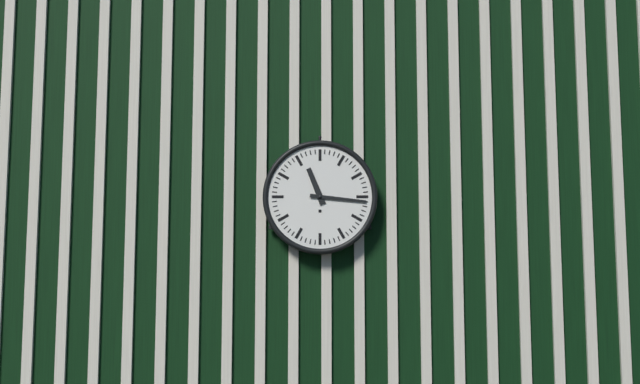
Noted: **11:16**
